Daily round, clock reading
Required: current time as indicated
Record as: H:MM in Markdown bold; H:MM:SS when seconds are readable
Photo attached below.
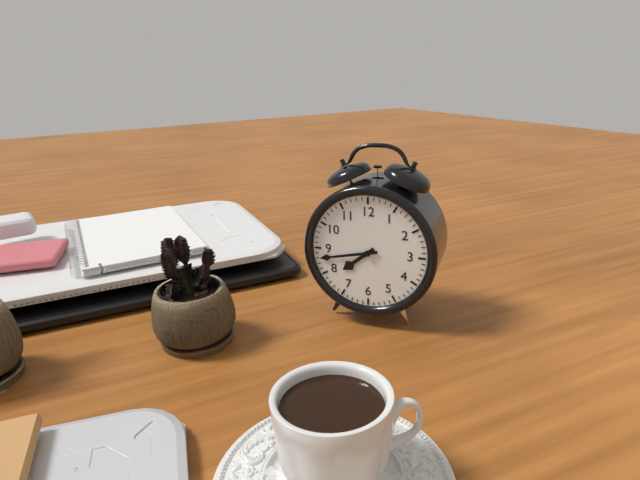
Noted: **7:43**
